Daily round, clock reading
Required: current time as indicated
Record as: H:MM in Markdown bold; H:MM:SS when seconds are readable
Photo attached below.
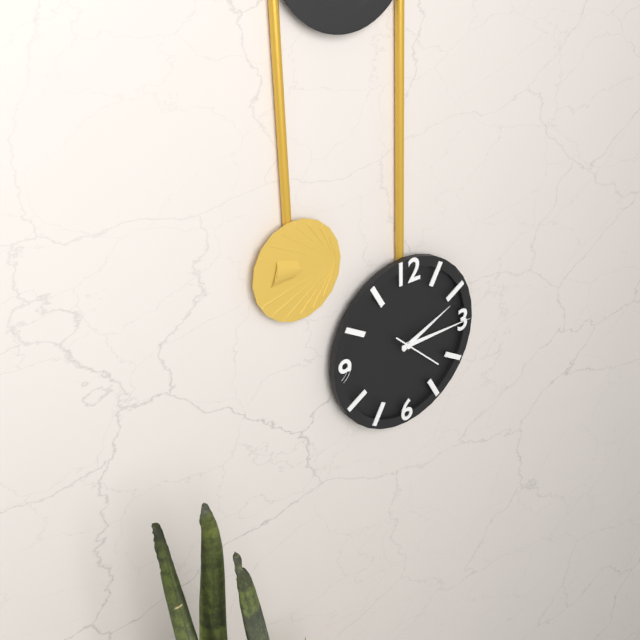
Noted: **2:15:22**
